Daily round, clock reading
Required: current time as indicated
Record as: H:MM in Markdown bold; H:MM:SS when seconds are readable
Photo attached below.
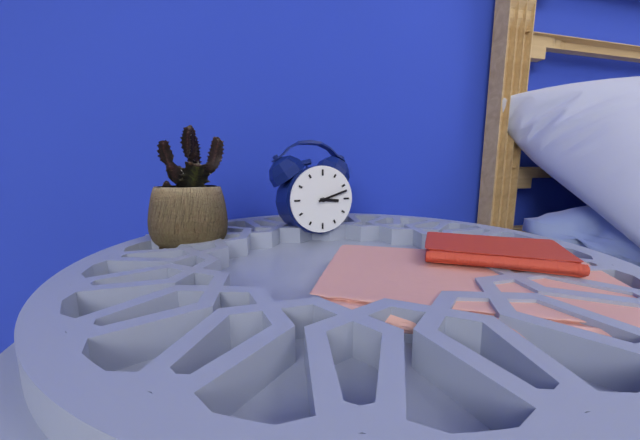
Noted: **3:12**
